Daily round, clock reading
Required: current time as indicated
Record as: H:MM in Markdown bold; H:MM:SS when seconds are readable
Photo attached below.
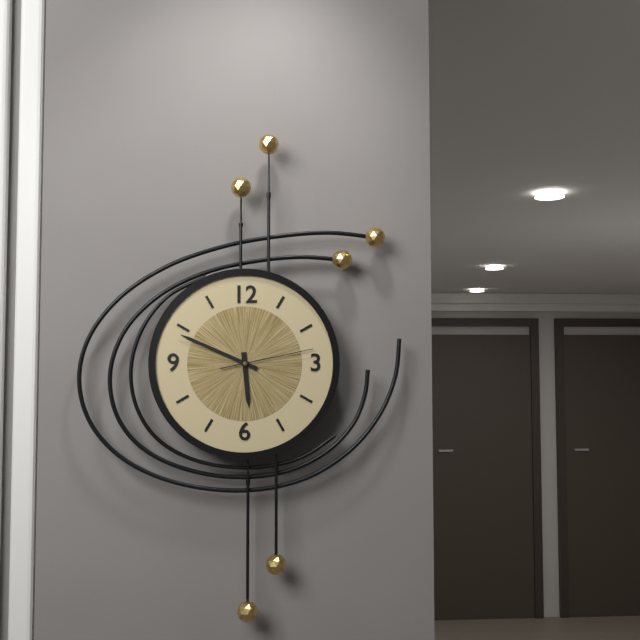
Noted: **5:49:13**
